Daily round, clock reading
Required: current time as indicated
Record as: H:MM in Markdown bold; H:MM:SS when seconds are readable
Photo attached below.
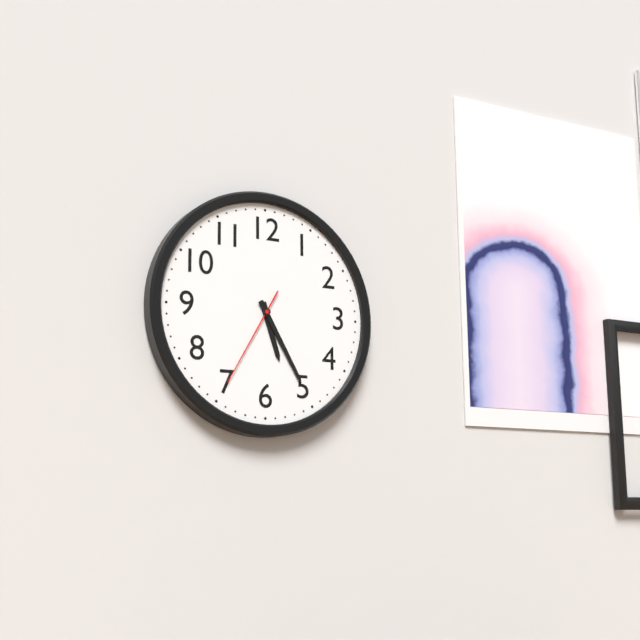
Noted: **5:25:35**
